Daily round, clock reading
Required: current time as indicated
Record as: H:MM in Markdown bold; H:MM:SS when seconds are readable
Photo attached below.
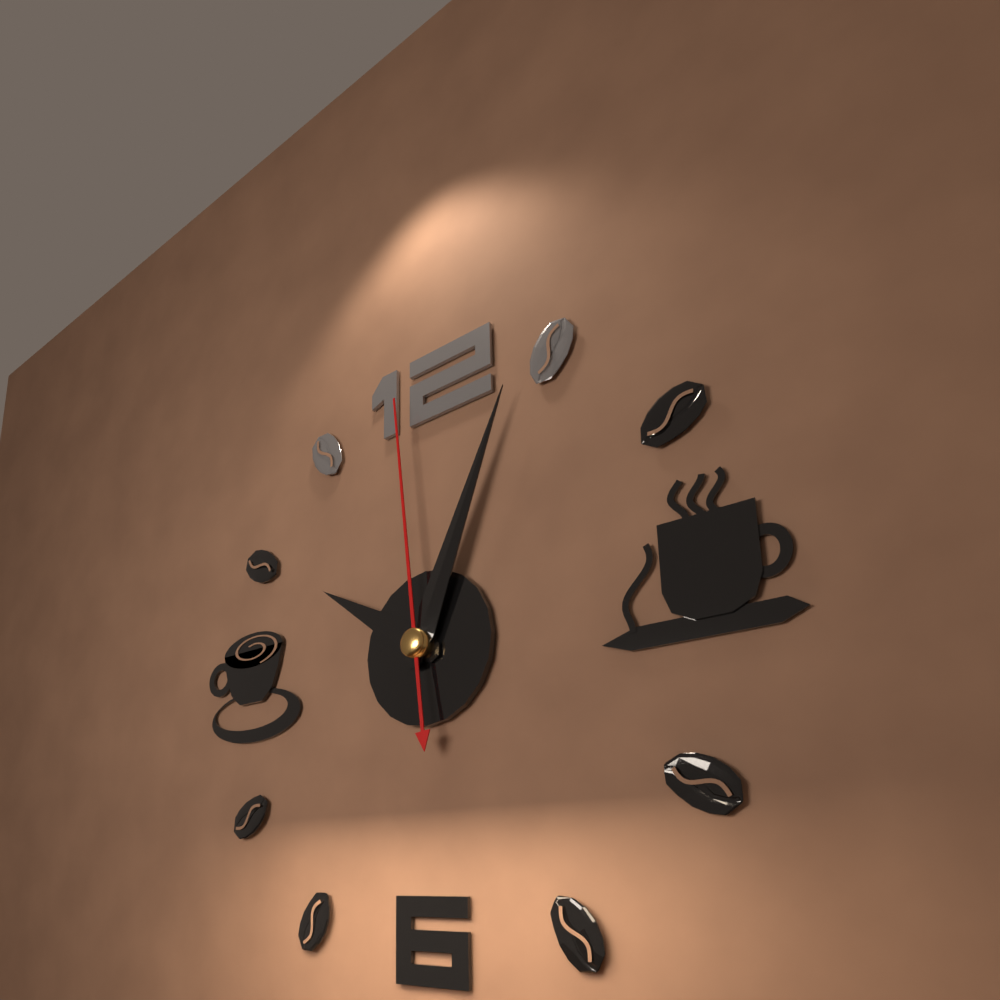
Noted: **10:04:59**
